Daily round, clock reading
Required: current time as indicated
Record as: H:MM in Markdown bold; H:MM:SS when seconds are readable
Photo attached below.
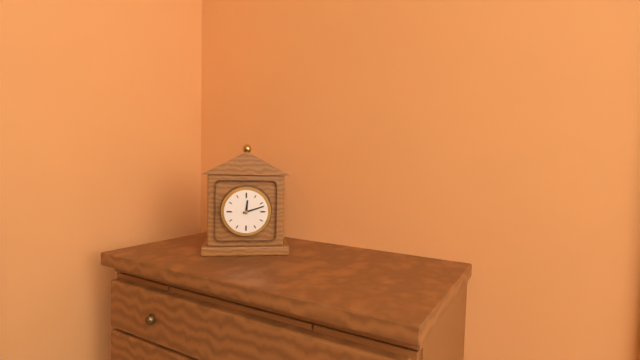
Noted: **12:12**
